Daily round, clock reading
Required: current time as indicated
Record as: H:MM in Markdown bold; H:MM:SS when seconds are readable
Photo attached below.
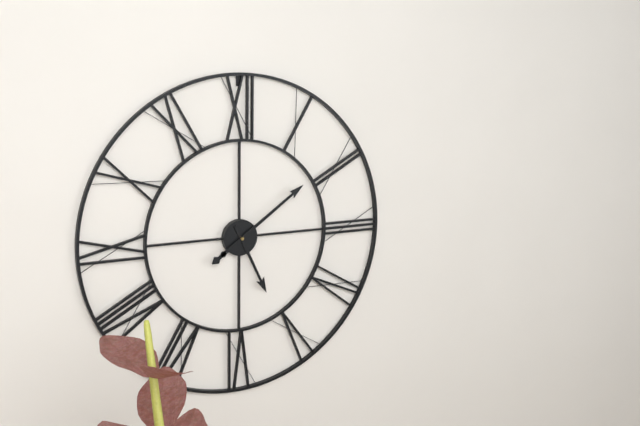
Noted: **5:09**
